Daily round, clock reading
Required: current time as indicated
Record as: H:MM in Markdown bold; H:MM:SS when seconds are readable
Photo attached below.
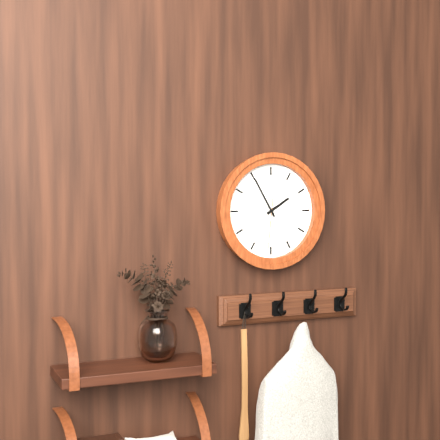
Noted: **1:55:31**
